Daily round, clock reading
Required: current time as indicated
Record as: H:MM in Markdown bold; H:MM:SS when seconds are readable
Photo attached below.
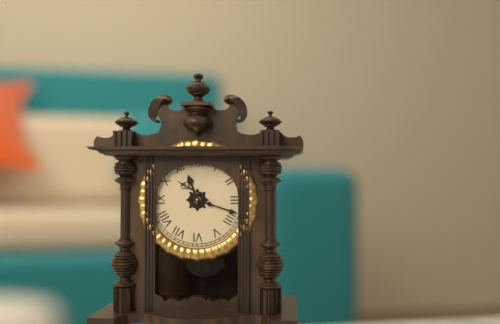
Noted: **11:18**
